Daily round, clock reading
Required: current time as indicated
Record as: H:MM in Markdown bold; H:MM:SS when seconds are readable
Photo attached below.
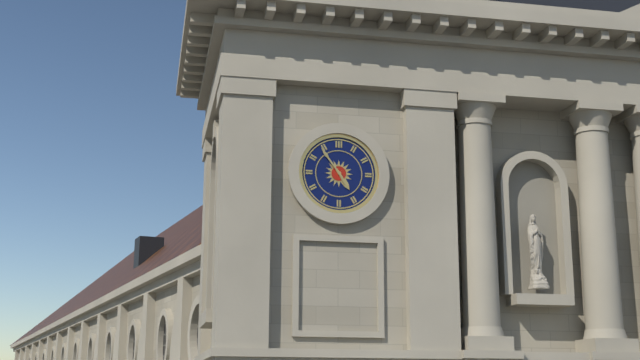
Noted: **4:54**
